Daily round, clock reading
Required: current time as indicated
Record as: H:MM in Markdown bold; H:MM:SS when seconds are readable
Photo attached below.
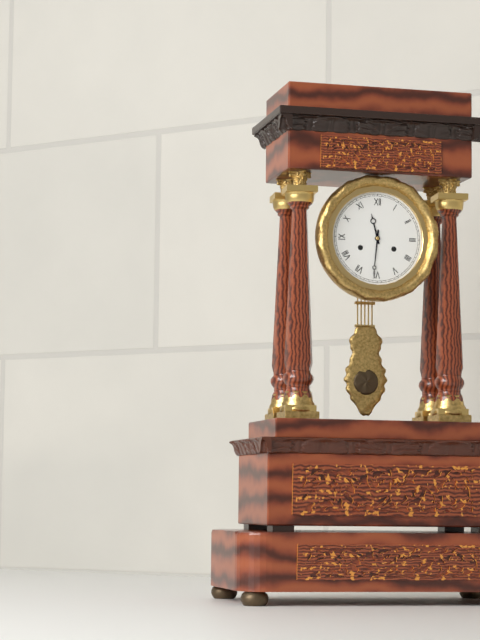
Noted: **11:31**
